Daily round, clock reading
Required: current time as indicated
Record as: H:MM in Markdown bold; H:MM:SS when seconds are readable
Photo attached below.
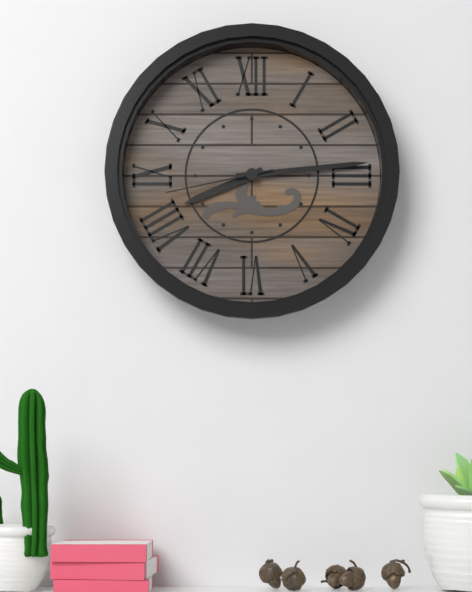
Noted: **8:14:43**
